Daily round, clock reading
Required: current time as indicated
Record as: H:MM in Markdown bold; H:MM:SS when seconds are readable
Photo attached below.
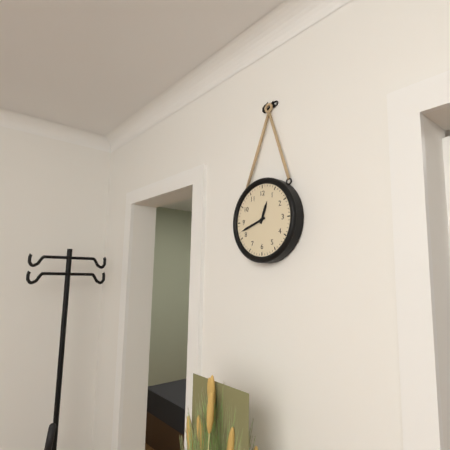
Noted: **12:42**
